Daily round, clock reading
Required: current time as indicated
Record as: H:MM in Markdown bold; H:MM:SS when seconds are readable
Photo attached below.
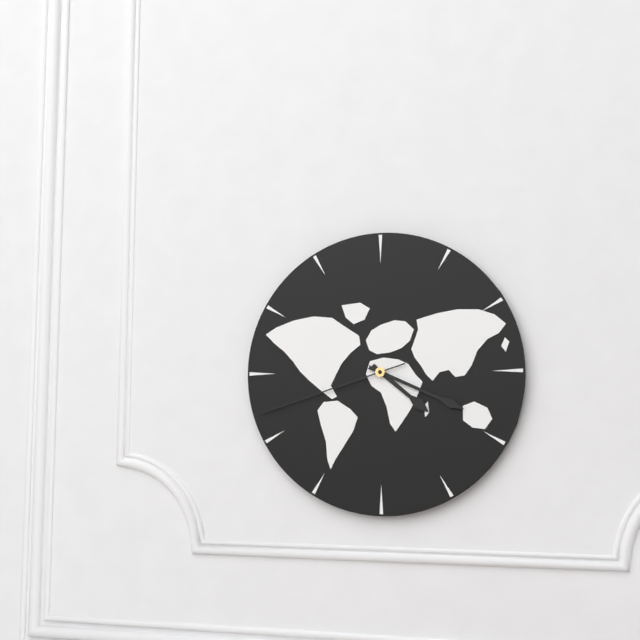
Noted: **4:19:42**
